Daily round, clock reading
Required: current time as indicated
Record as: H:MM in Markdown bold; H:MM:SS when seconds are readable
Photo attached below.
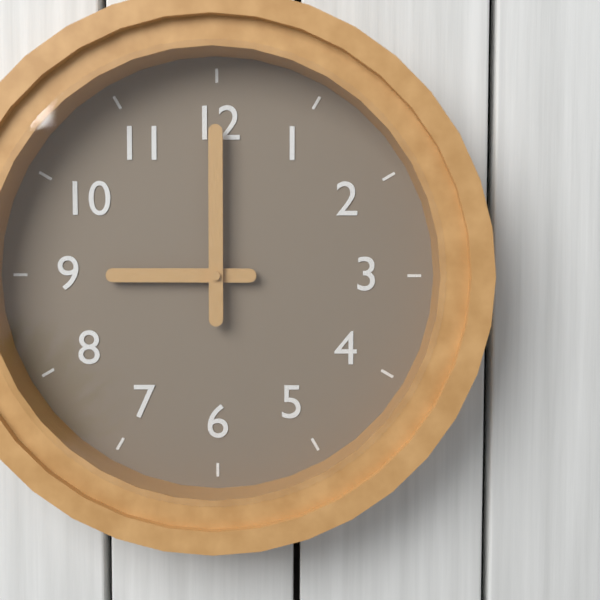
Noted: **9:00**
